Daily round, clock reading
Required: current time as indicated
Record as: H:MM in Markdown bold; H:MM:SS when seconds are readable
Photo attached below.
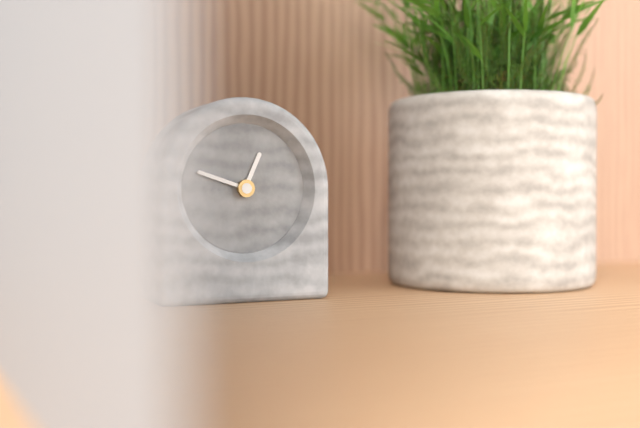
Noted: **12:48**
